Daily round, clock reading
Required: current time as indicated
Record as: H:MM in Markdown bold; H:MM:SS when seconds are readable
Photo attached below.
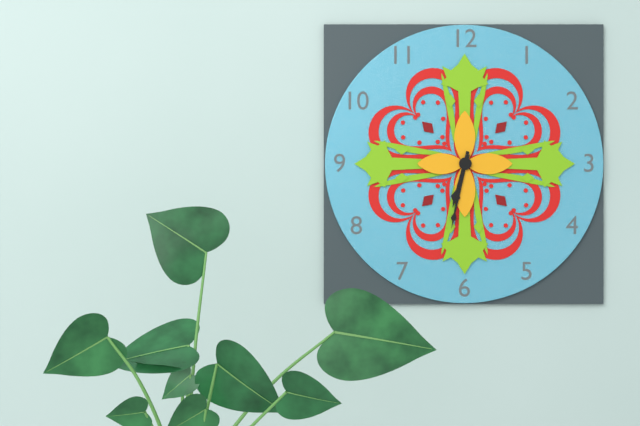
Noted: **6:32**
